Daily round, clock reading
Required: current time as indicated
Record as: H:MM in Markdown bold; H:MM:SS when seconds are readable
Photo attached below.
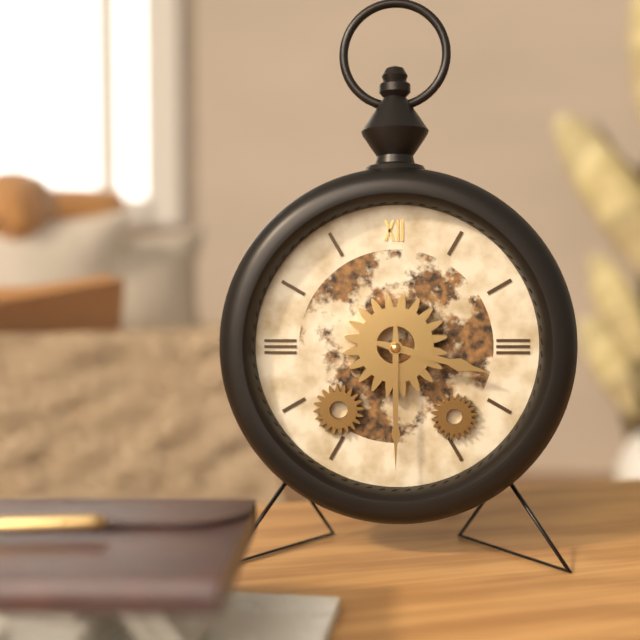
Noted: **3:30**
